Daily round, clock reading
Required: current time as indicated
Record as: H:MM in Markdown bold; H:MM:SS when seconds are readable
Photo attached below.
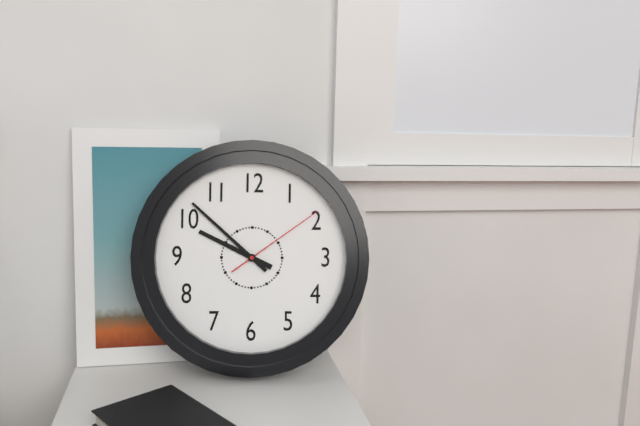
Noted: **9:52:09**
